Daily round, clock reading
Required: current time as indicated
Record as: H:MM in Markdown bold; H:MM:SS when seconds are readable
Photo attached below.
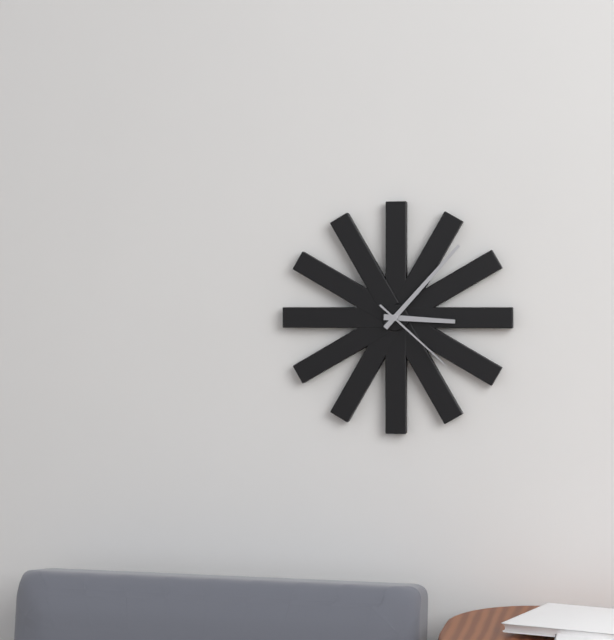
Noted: **3:07:22**
